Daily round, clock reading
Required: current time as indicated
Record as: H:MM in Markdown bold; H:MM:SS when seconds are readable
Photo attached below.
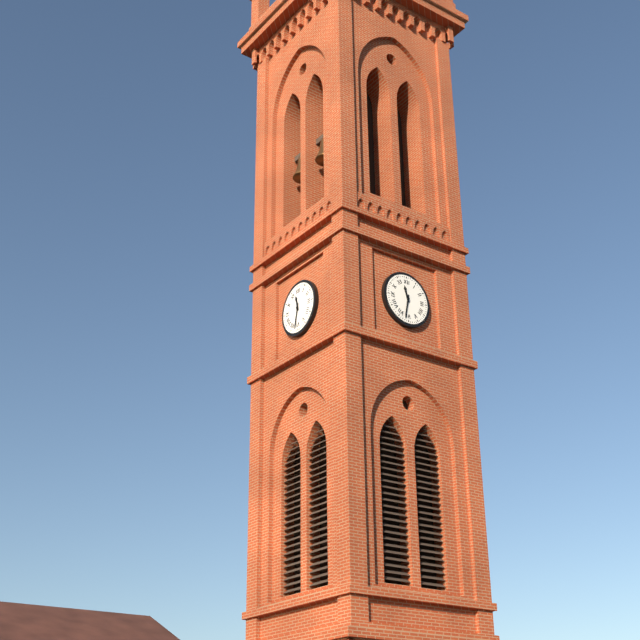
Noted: **11:32**
